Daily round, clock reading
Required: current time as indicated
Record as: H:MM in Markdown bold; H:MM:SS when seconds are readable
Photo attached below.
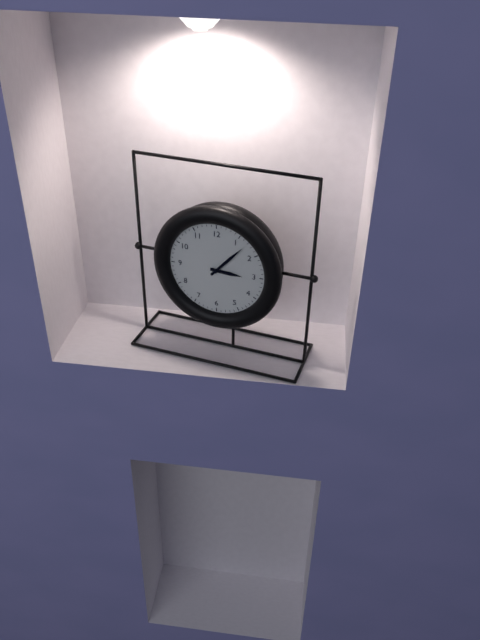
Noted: **3:07**
